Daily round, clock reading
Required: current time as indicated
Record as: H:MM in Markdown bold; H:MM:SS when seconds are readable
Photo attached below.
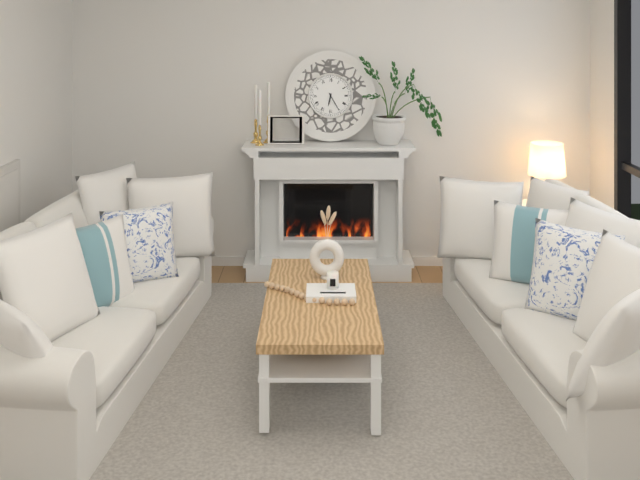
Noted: **6:25**
